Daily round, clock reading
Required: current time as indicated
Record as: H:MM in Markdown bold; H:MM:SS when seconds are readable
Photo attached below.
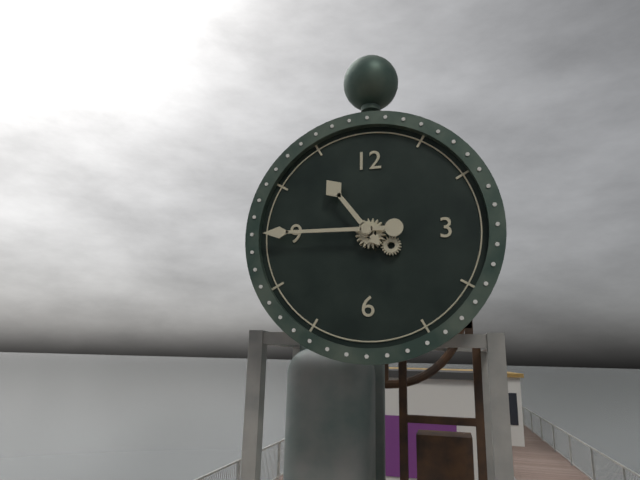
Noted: **10:45**
